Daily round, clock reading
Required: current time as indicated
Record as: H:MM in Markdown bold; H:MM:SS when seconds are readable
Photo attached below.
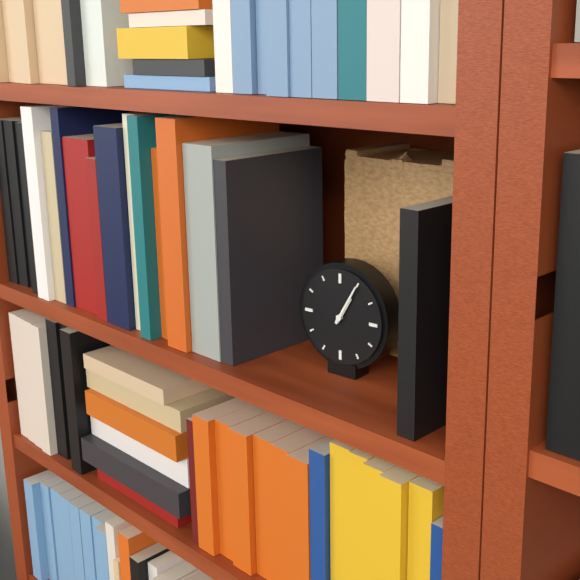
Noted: **1:05**
